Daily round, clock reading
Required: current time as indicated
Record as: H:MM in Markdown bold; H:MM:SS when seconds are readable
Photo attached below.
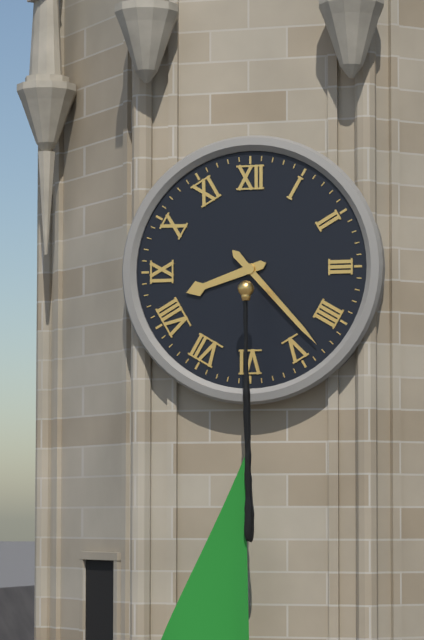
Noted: **8:23**
